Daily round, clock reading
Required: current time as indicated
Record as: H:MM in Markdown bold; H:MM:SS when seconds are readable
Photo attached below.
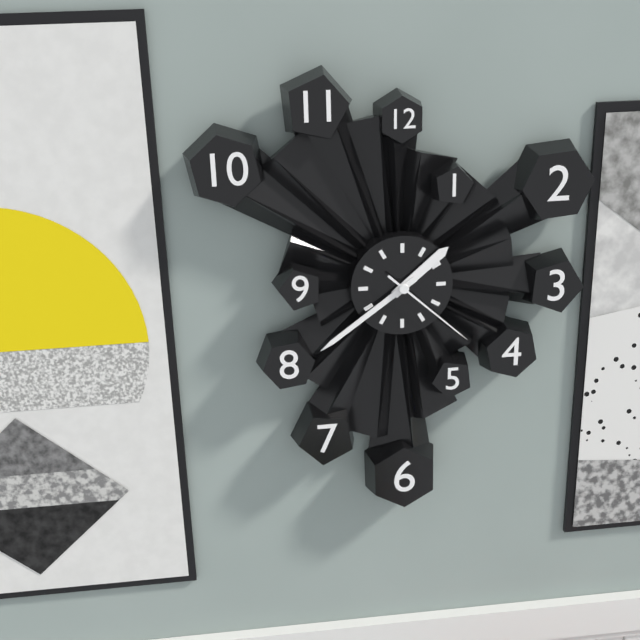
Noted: **1:39:22**
